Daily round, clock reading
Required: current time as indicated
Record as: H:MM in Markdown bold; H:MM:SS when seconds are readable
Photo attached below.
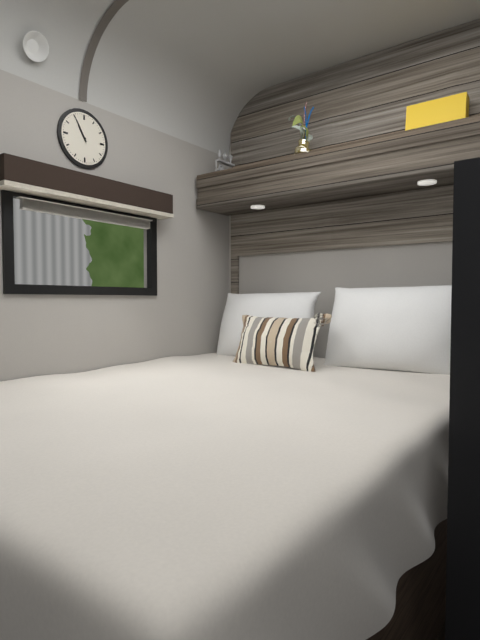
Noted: **10:55**
